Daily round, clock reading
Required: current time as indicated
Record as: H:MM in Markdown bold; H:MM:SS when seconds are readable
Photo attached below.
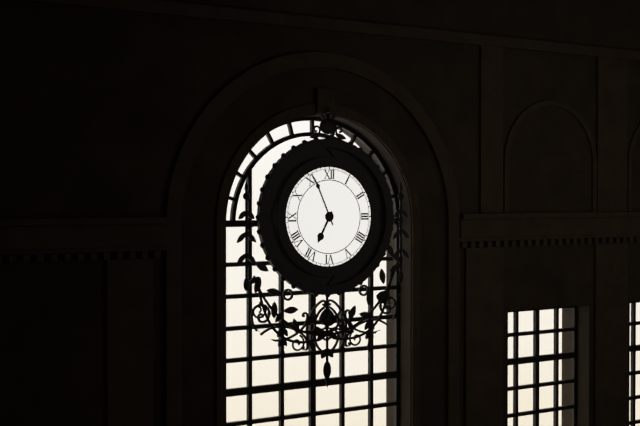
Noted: **6:56**
